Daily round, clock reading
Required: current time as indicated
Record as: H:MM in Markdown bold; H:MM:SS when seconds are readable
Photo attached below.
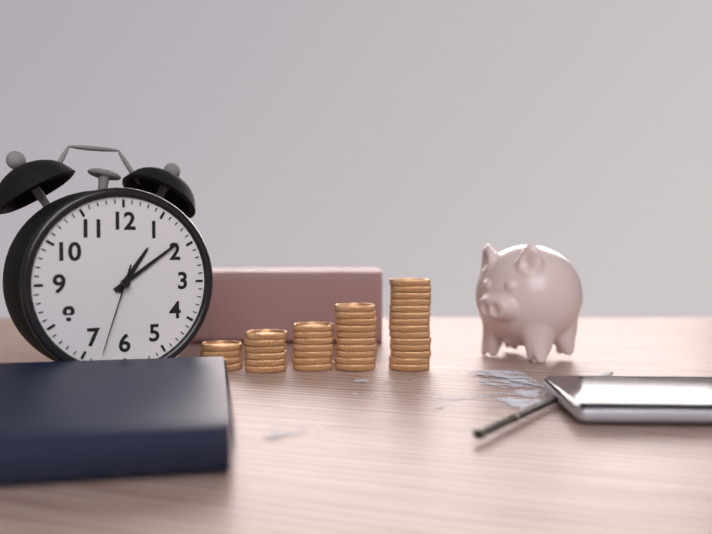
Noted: **1:09:33**
